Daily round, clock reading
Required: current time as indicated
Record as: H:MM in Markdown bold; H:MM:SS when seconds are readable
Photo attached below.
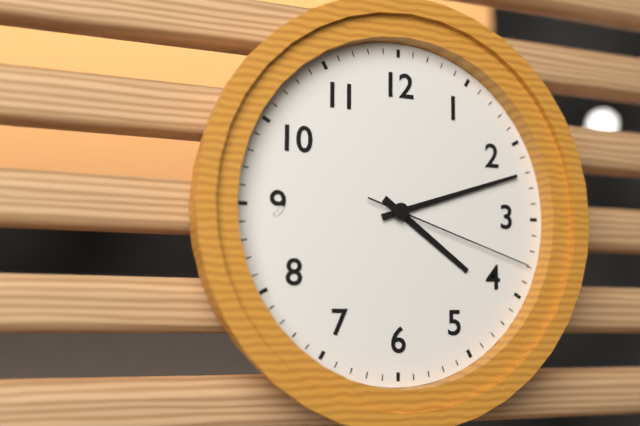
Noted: **4:12:18**
